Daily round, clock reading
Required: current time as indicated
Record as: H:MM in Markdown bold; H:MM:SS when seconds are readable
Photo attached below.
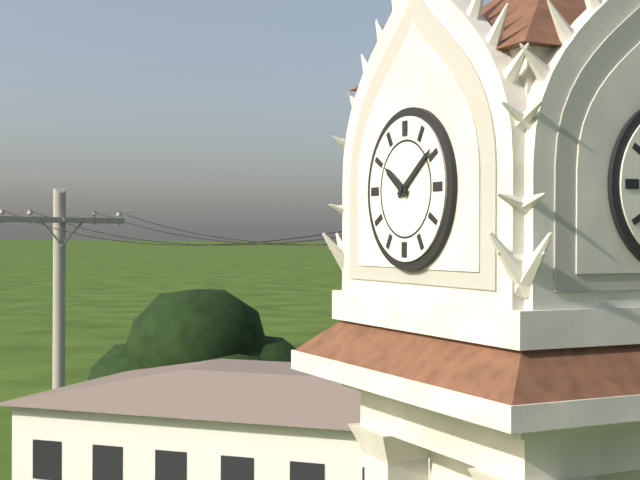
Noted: **10:09**
